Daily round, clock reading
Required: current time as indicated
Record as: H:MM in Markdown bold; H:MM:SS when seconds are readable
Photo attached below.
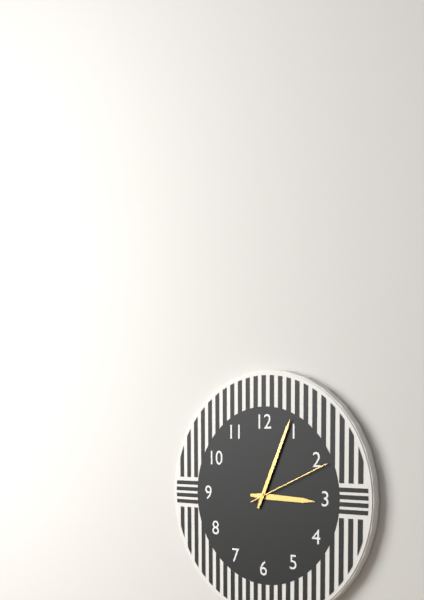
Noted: **3:04:11**
